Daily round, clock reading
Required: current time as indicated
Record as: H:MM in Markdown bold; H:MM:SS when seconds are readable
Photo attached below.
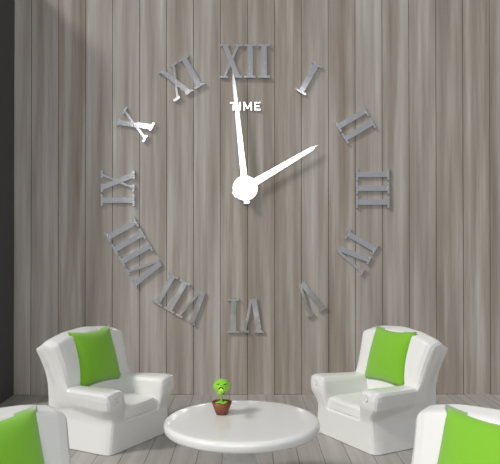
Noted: **1:59**
